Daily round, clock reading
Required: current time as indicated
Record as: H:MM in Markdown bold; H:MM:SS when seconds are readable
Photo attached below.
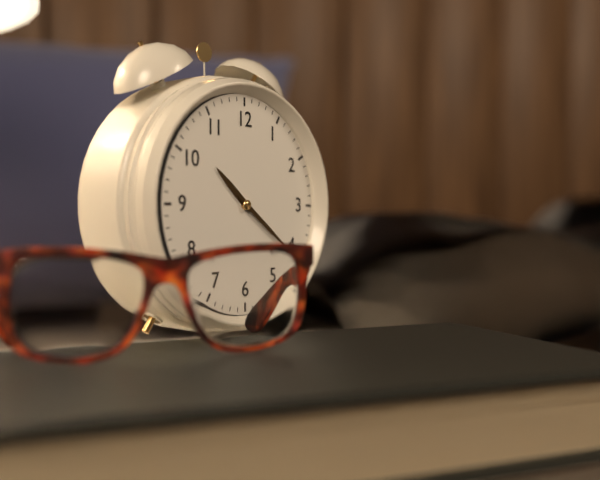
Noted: **10:21**
